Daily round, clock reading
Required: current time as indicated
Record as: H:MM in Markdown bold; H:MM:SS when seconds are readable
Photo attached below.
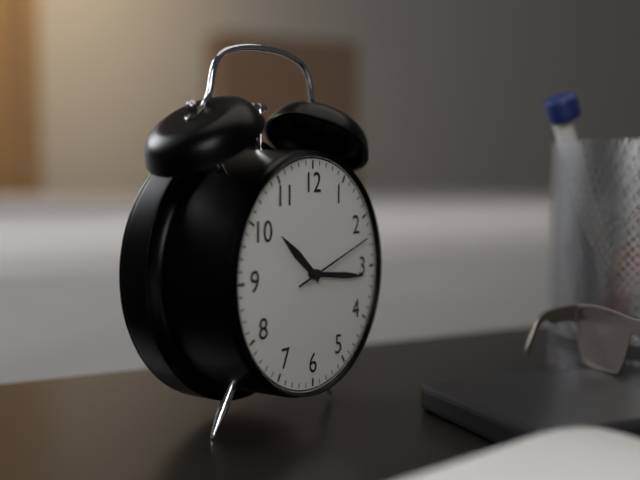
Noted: **10:16:12**
